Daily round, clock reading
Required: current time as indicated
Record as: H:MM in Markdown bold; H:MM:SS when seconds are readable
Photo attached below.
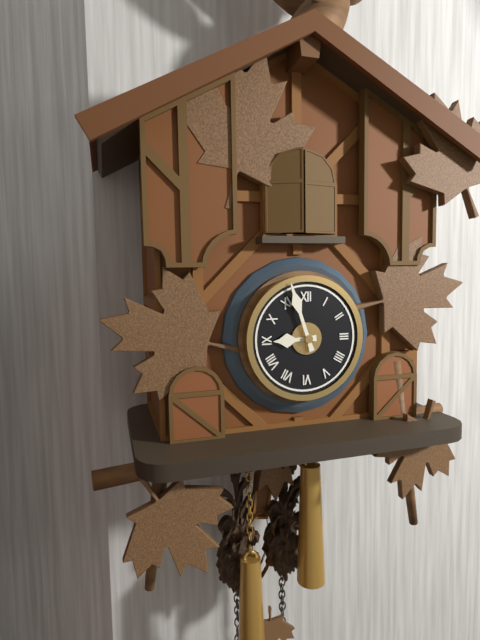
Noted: **8:57**
